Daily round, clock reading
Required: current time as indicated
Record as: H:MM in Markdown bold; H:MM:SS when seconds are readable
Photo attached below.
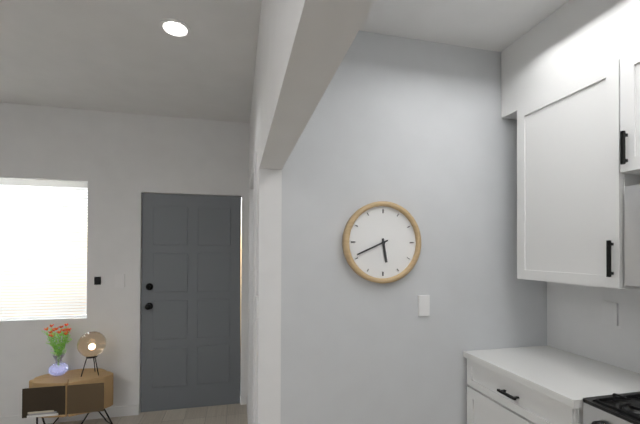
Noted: **5:41**
